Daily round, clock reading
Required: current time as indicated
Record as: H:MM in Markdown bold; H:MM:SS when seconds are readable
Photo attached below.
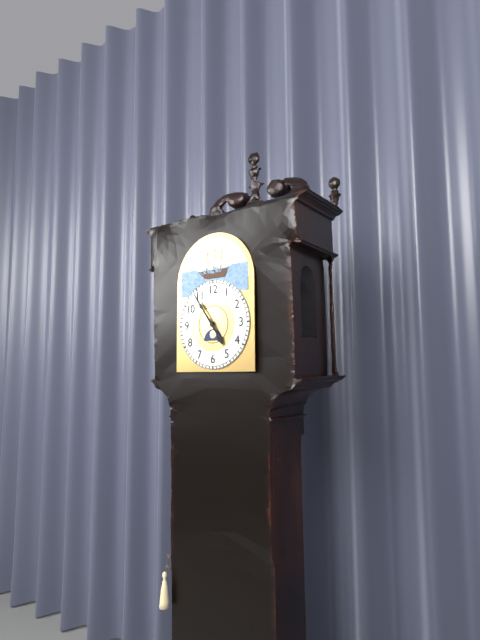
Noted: **4:54**
